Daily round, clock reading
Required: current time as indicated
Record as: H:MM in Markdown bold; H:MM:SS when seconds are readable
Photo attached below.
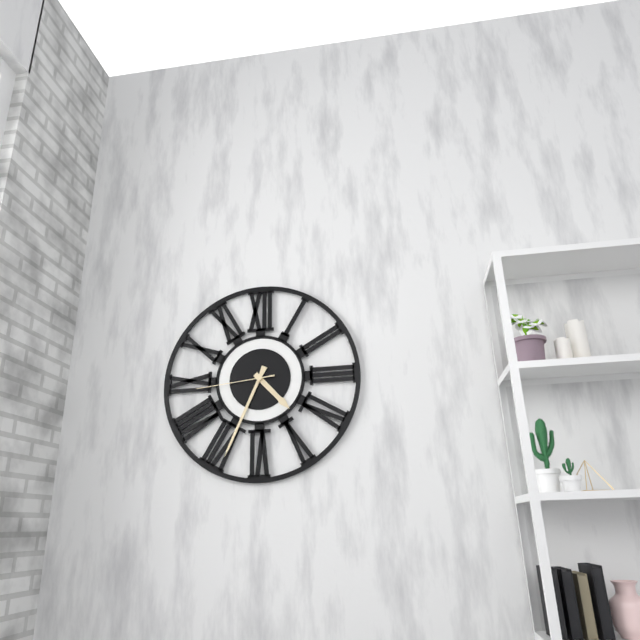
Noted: **4:34:44**
